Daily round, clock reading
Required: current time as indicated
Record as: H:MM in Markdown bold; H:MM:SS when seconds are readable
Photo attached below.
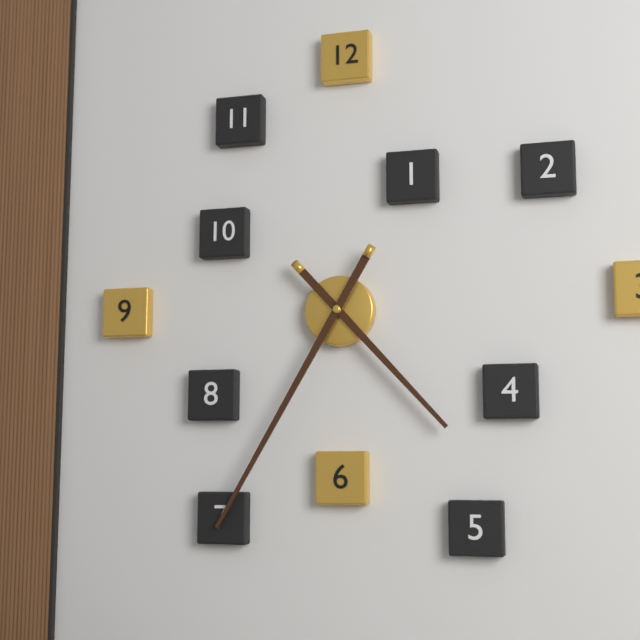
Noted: **4:35**
